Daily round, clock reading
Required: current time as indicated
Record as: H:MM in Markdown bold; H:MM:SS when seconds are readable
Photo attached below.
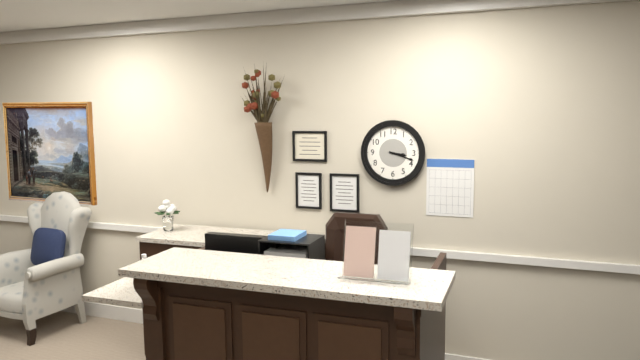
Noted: **3:18**
